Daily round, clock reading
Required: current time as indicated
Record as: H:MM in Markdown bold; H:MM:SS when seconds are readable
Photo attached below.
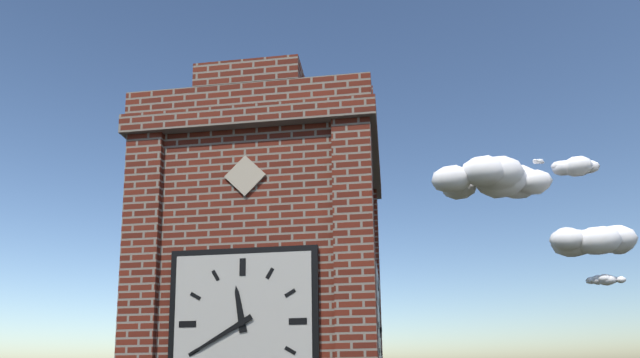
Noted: **11:40**
